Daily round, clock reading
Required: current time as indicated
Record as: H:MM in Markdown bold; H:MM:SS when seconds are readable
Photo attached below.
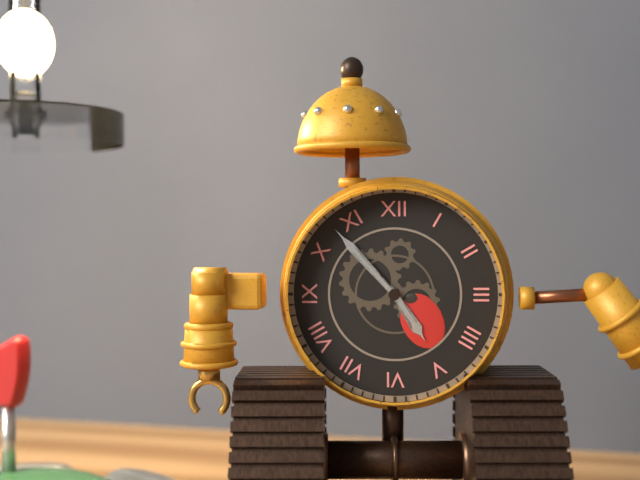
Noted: **4:53**
